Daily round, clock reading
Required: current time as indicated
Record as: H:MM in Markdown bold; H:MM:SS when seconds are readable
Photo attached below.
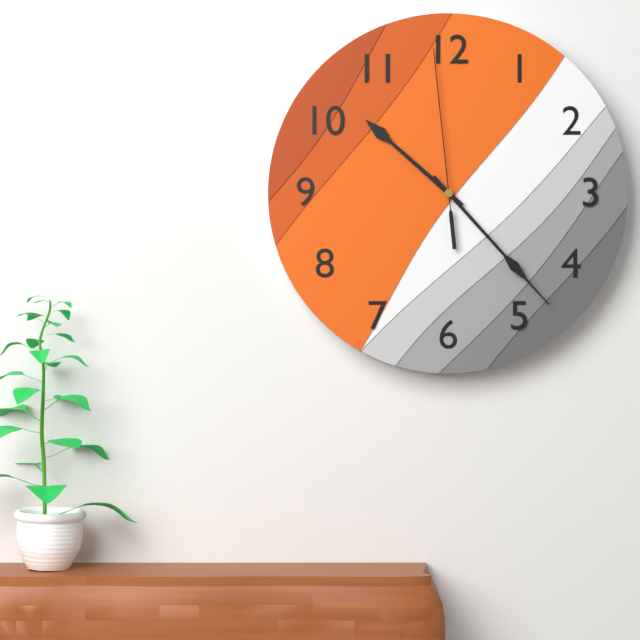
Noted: **10:23:59**
